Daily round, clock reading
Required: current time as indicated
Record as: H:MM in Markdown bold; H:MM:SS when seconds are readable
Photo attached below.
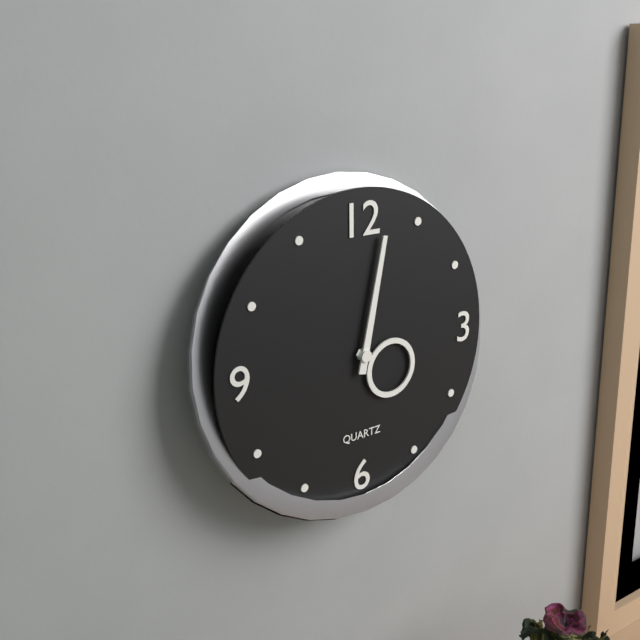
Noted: **4:02**
